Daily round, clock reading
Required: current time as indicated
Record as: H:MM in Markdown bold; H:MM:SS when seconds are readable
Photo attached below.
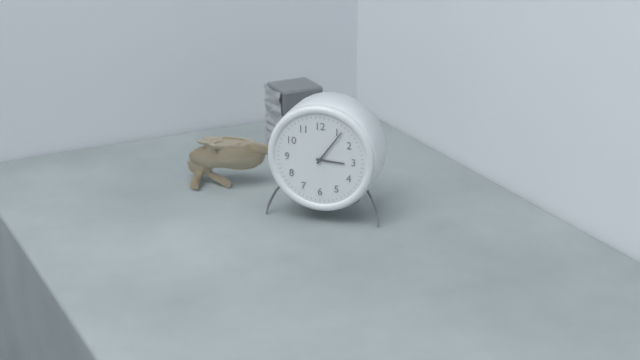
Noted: **3:06**
